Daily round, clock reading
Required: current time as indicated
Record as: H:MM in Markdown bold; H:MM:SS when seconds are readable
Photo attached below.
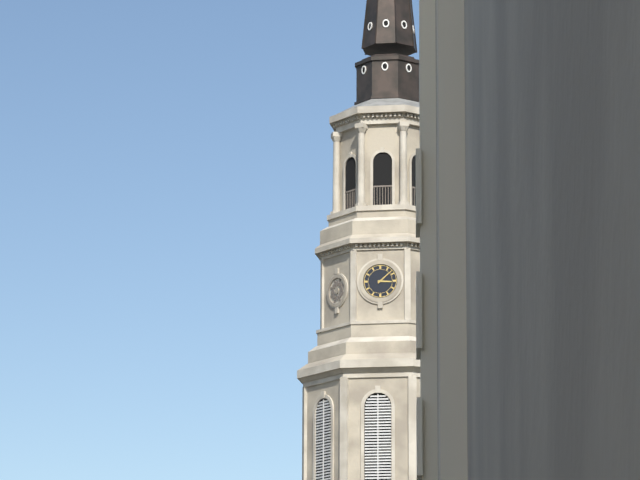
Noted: **3:08**
